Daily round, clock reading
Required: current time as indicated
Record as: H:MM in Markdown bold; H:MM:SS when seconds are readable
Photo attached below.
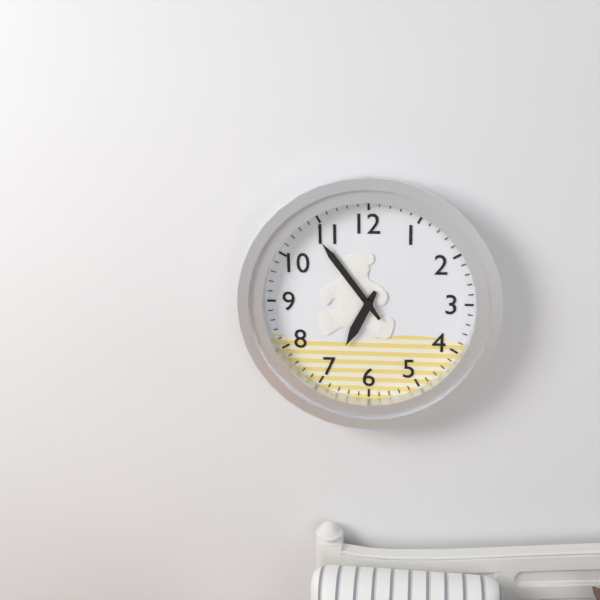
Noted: **6:54**
